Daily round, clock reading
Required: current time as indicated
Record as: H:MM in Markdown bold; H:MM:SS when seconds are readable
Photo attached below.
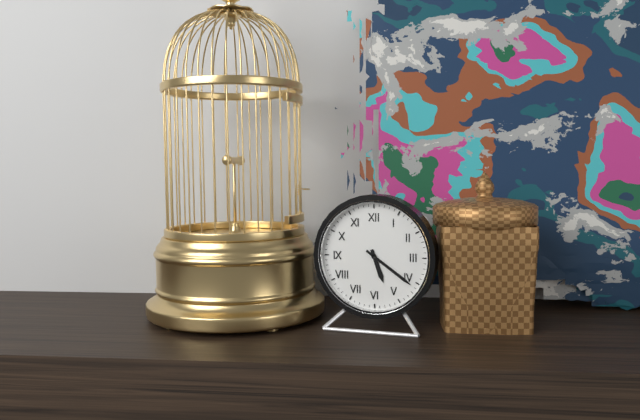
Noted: **5:21**
